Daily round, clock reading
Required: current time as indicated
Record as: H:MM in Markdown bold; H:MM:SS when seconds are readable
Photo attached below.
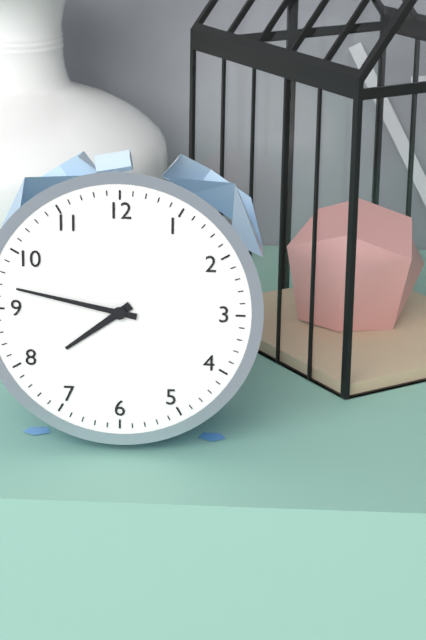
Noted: **7:47**
